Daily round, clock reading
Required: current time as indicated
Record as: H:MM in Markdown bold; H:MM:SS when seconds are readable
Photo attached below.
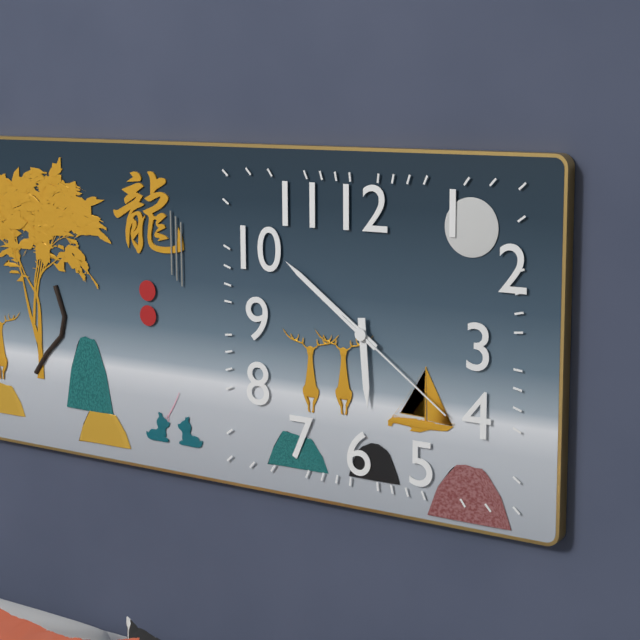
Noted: **5:51:21**
